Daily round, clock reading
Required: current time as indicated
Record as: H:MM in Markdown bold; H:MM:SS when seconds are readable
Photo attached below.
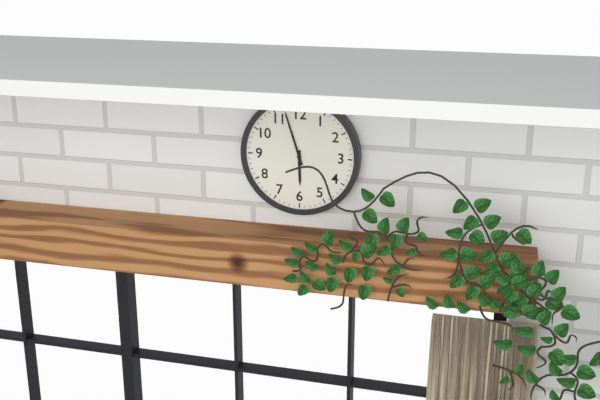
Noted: **5:57**
